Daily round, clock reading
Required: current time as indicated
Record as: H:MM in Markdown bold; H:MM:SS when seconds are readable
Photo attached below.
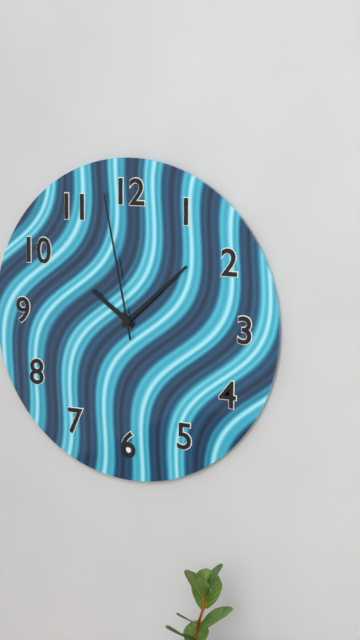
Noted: **10:08:58**
